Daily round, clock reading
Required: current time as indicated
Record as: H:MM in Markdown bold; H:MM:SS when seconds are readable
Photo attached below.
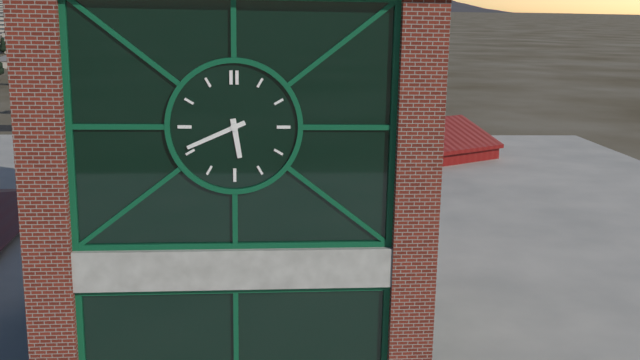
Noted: **5:41**
